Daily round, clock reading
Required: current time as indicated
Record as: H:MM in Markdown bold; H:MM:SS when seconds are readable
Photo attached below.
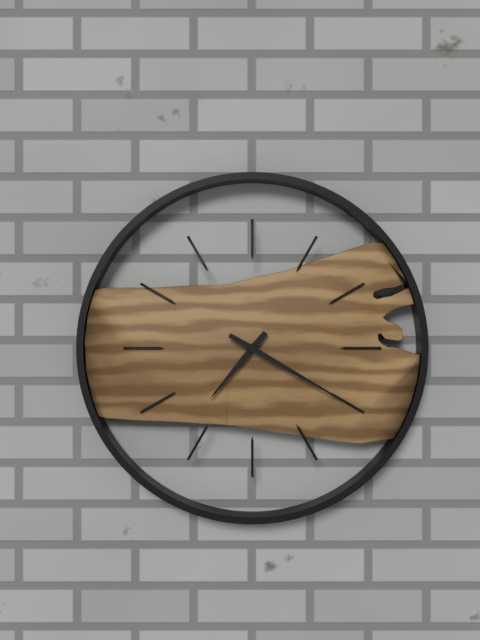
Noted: **7:20**
